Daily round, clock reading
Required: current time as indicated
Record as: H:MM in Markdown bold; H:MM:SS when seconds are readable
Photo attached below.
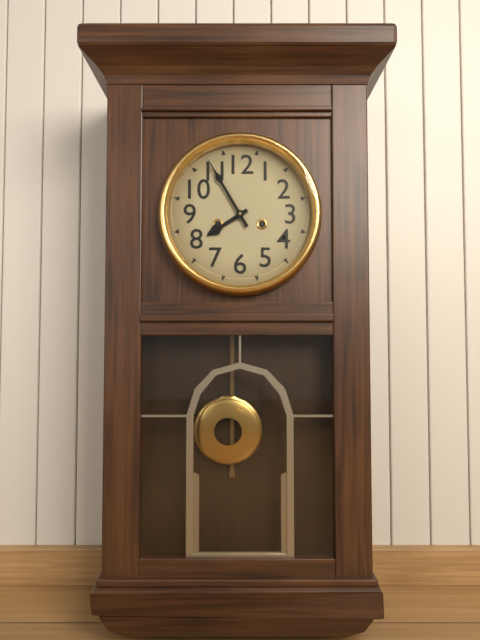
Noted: **7:55**
